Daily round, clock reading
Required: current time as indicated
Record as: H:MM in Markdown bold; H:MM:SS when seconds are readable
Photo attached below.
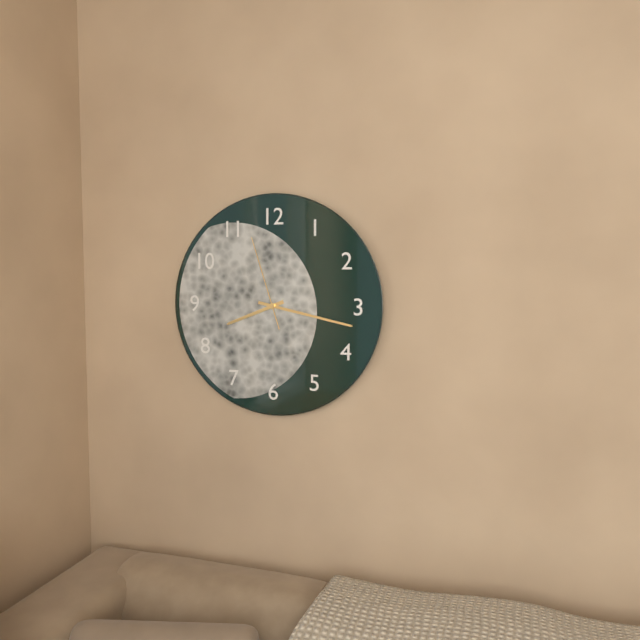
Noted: **8:17:57**
